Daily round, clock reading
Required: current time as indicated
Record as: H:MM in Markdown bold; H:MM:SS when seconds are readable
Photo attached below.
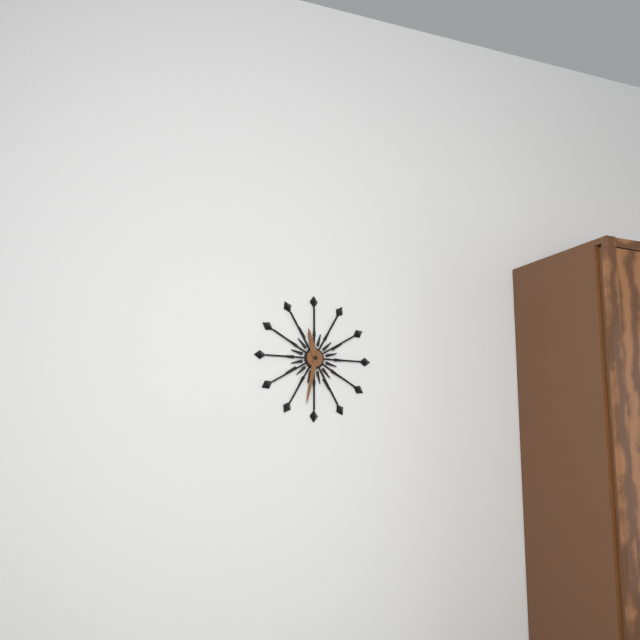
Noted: **11:32**
